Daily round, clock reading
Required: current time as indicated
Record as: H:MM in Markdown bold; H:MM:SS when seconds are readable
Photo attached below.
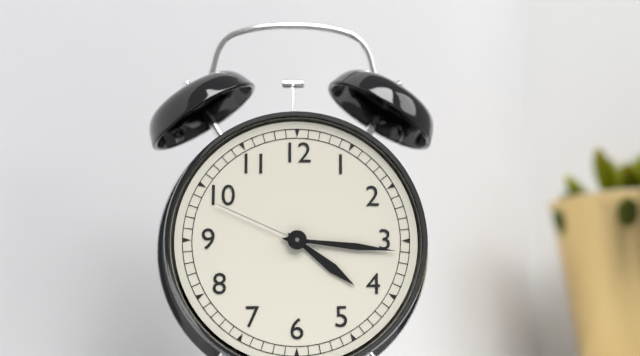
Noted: **4:16:49**
